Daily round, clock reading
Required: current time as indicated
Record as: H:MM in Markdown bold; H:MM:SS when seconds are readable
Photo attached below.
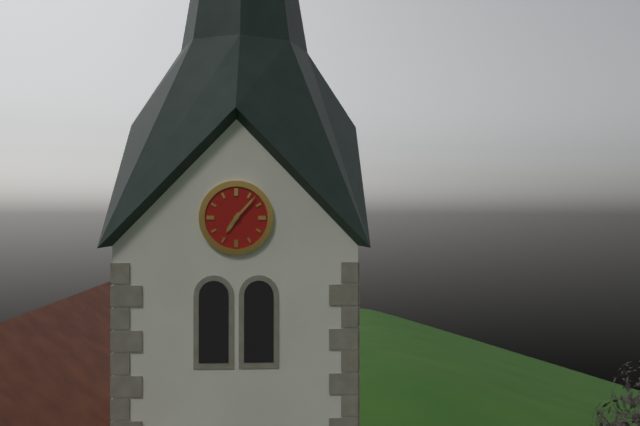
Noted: **7:07**
